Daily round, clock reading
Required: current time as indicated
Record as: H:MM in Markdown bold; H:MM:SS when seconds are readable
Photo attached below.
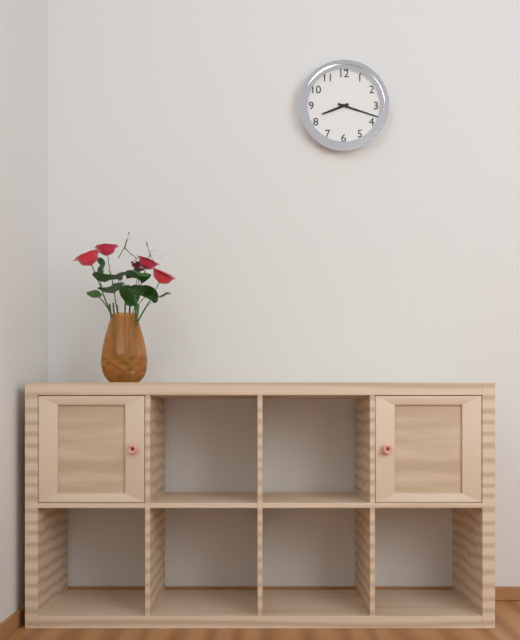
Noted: **8:18**
